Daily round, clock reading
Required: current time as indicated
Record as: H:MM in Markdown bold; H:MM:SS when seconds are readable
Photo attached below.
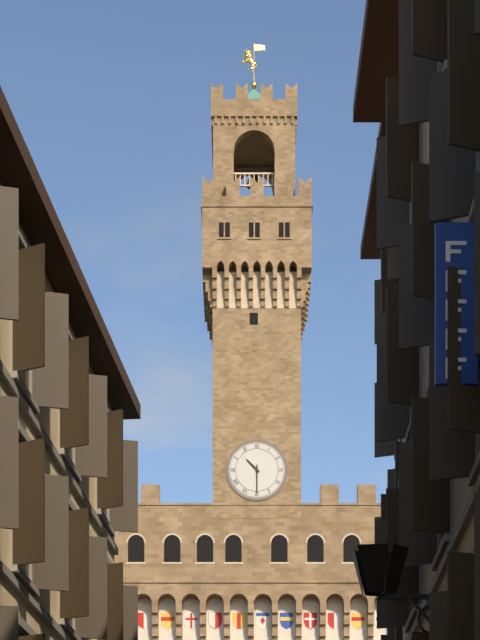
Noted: **10:30**
